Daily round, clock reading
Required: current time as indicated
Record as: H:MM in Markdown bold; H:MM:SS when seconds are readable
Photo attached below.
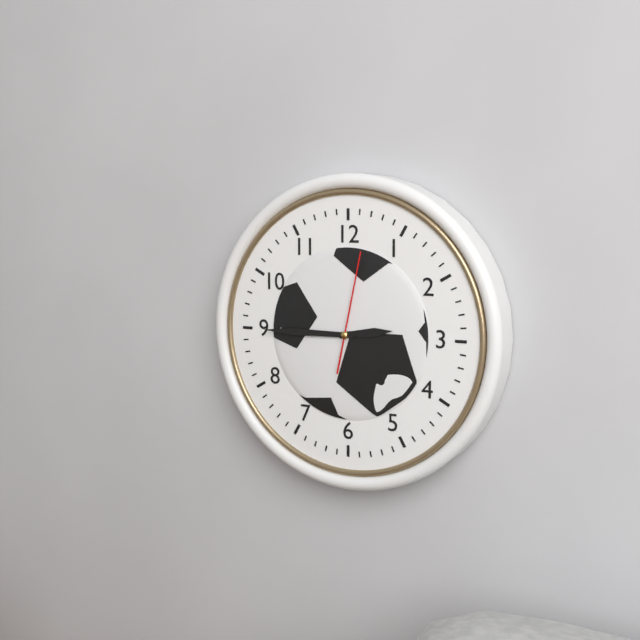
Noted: **2:45:02**
